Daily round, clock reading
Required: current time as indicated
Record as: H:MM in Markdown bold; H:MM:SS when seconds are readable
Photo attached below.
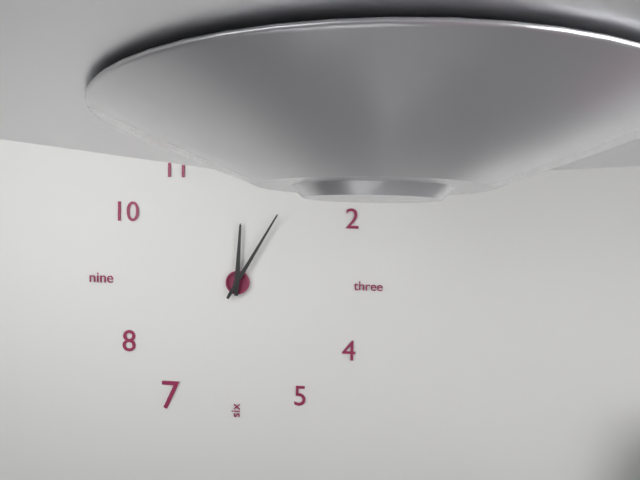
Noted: **12:05**
